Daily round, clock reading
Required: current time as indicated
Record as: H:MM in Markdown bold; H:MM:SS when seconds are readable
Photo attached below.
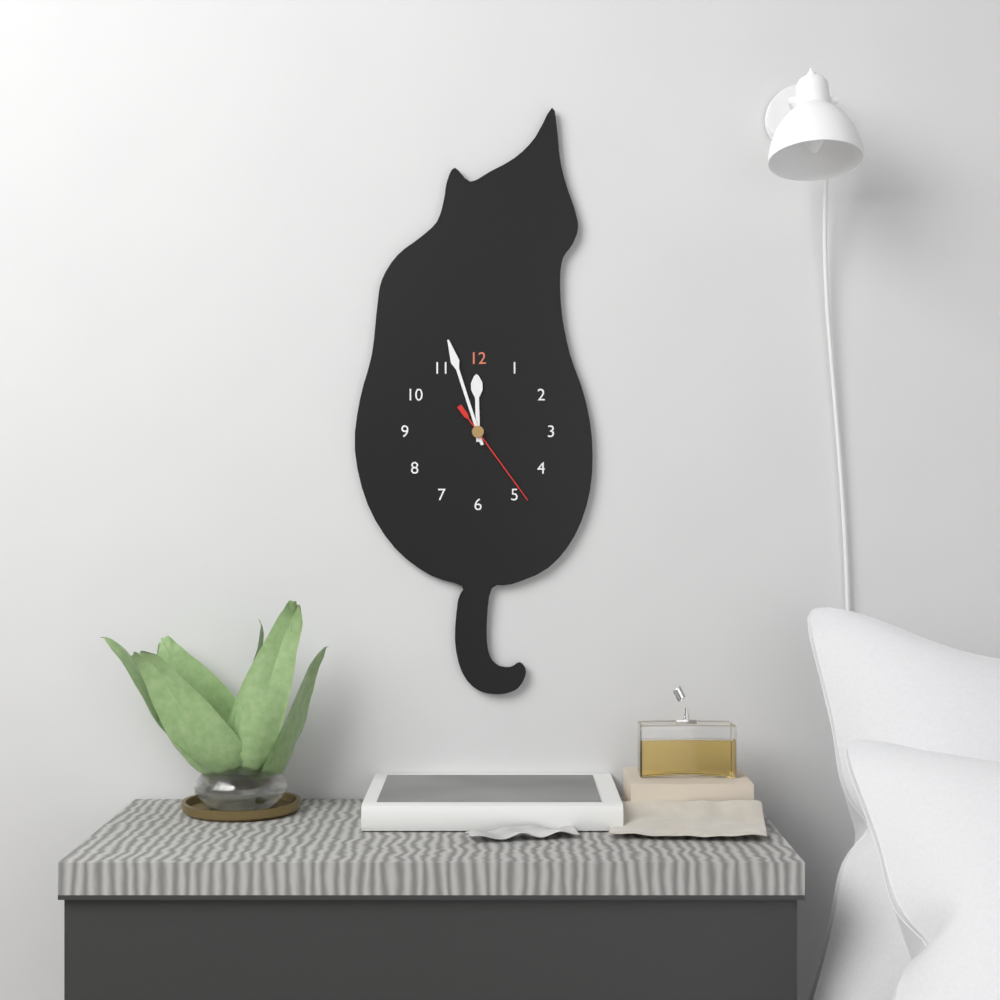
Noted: **11:57:24**
